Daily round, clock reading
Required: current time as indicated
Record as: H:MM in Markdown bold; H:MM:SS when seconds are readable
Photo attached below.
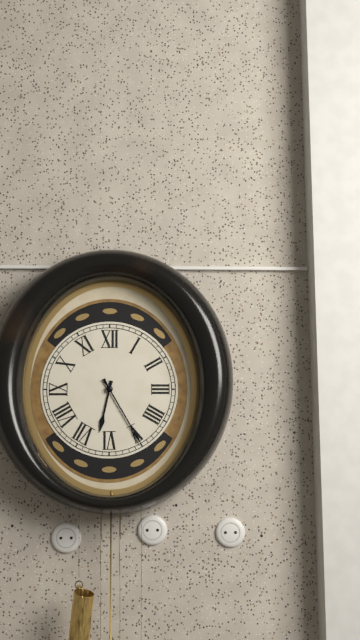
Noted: **6:25**
